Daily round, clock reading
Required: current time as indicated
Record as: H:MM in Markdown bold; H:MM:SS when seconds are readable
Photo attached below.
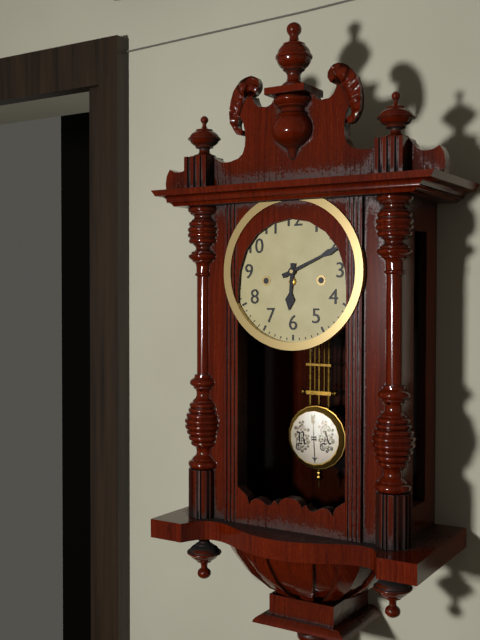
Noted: **6:11**
